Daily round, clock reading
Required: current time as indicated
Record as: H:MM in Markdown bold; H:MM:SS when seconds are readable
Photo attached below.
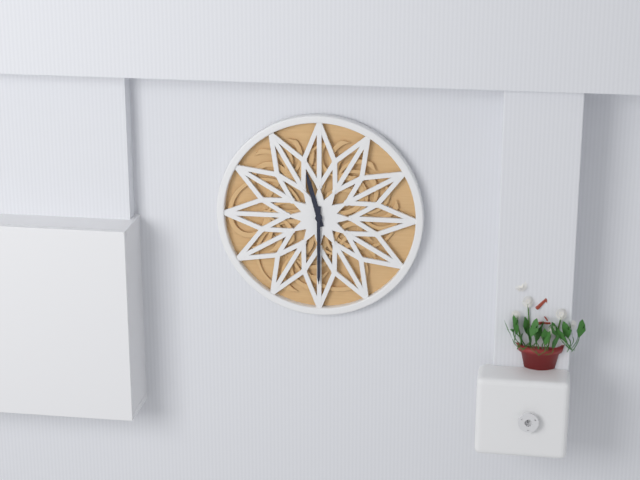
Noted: **11:30**
